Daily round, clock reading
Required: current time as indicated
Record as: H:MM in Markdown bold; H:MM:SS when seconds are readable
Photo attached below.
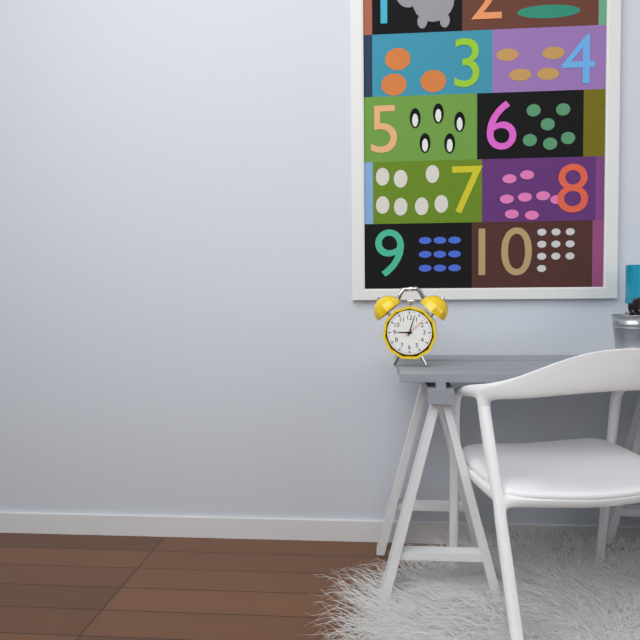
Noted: **9:03**
